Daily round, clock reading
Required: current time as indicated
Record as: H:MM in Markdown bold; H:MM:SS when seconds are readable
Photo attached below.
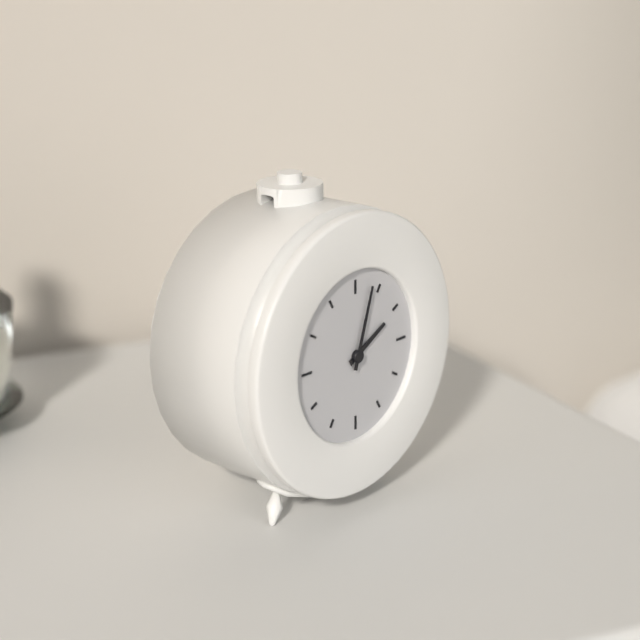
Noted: **2:03**
